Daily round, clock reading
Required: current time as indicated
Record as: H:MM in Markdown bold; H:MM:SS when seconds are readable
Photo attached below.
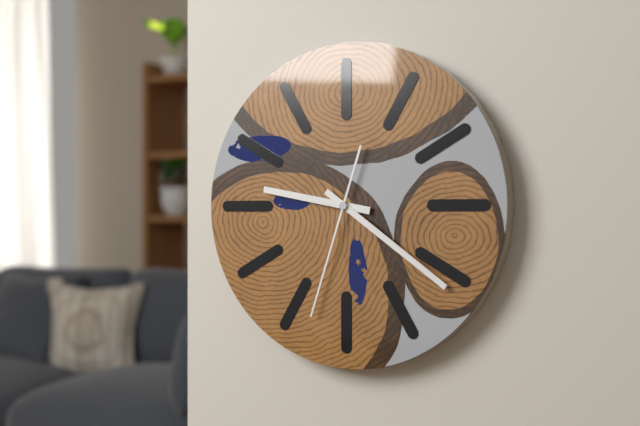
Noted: **9:21:33**
